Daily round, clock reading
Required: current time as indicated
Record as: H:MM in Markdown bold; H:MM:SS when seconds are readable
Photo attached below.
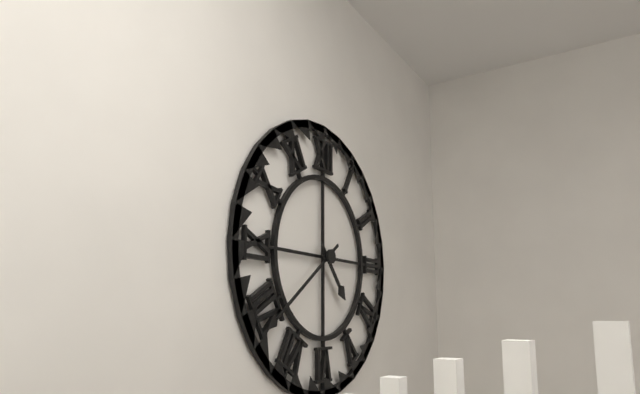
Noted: **4:39**
